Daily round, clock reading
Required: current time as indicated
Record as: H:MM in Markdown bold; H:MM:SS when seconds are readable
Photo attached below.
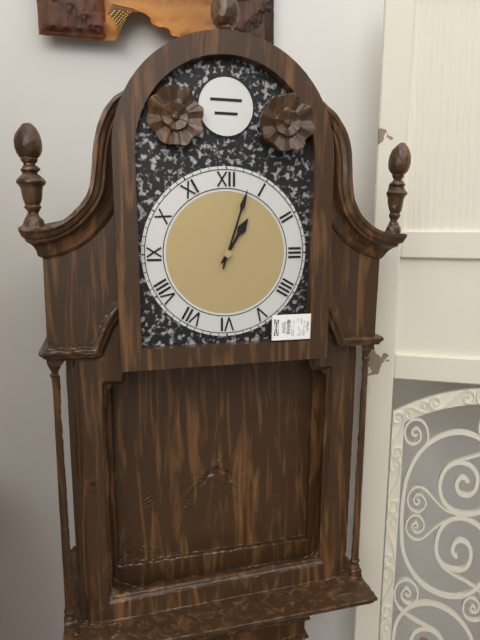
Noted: **1:03**
